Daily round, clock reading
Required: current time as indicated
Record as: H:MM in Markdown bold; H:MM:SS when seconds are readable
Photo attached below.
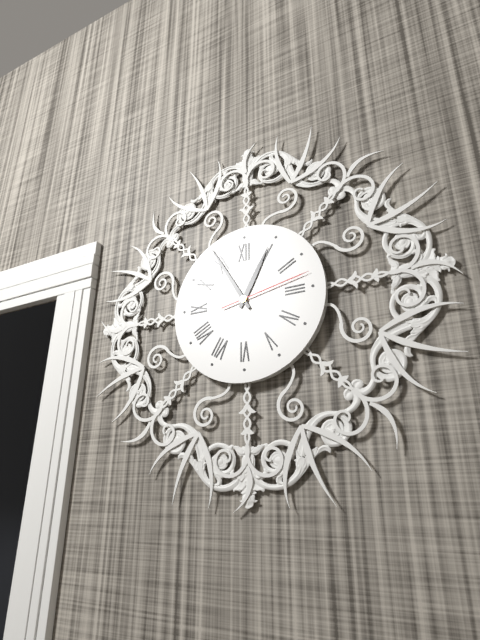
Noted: **12:55:13**
